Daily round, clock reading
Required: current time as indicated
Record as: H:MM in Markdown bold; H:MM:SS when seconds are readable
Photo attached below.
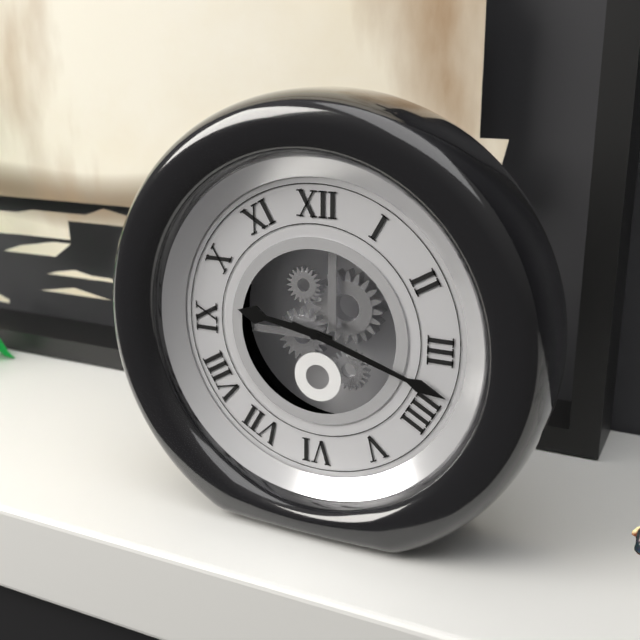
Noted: **9:18**
